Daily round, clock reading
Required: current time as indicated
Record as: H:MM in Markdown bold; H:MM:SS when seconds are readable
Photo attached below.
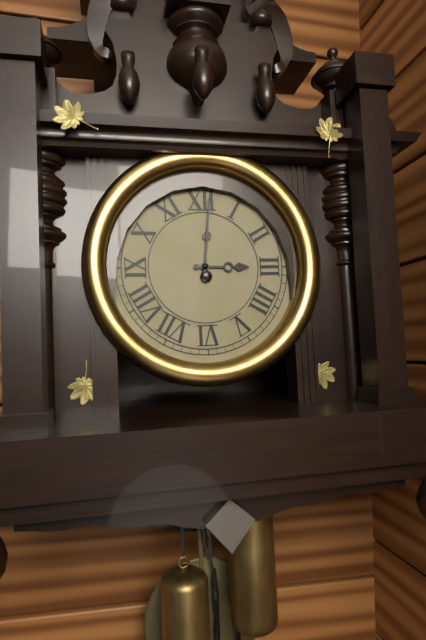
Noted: **3:01**
